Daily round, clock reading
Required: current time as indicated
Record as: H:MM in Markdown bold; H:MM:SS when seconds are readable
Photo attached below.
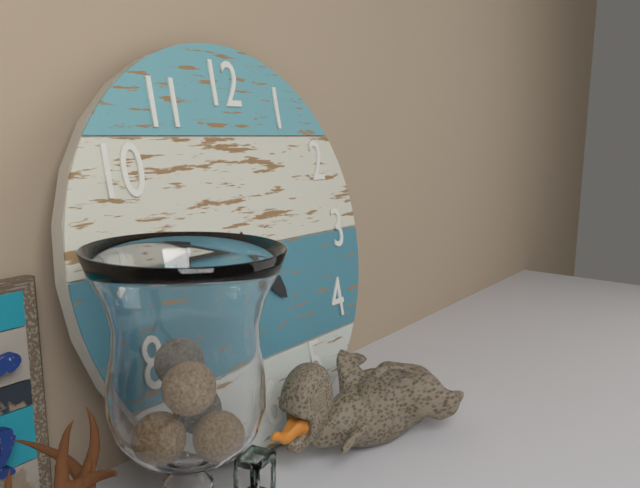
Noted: **4:45**
